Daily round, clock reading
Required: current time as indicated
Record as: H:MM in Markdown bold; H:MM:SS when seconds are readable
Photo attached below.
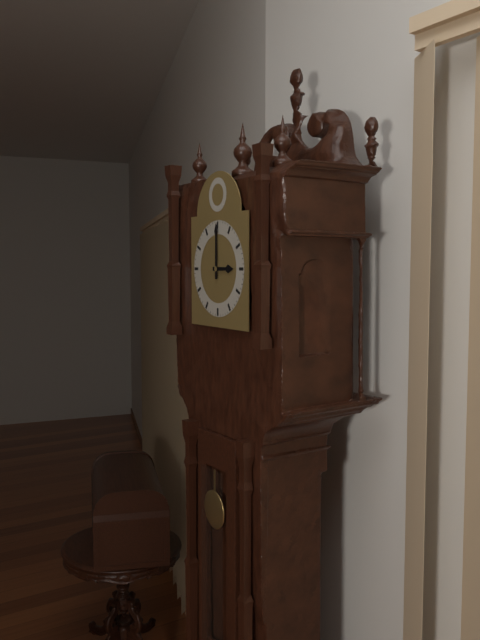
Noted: **3:00**
